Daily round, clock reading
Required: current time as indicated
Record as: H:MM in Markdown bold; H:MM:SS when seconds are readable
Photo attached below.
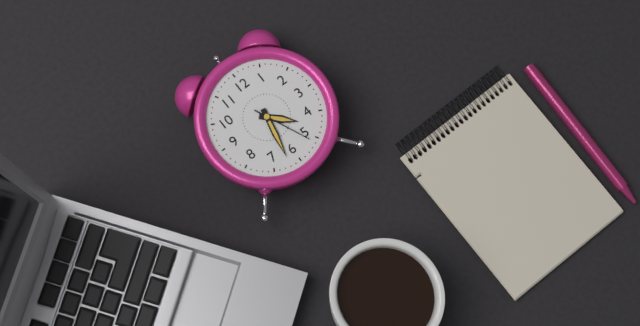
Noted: **4:32:26**
